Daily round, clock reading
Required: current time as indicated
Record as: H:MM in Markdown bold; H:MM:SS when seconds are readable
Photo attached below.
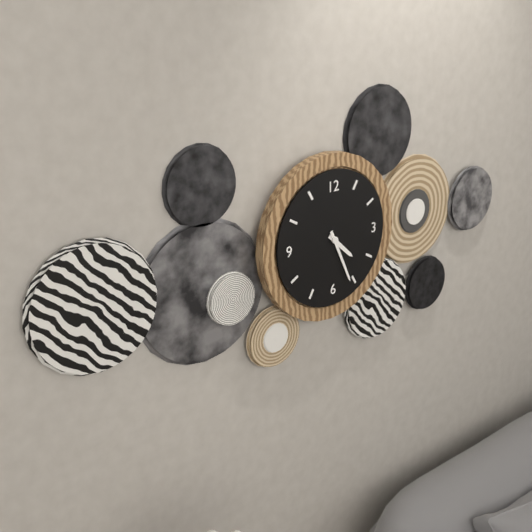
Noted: **4:26**
